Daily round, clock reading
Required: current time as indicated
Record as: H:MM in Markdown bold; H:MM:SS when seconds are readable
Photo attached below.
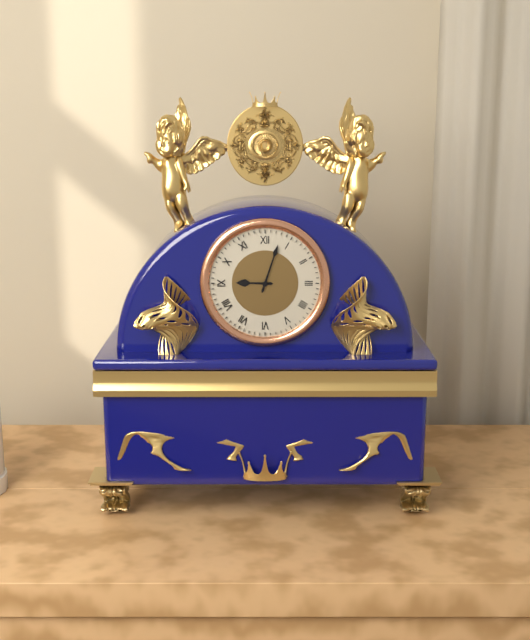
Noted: **9:03**
